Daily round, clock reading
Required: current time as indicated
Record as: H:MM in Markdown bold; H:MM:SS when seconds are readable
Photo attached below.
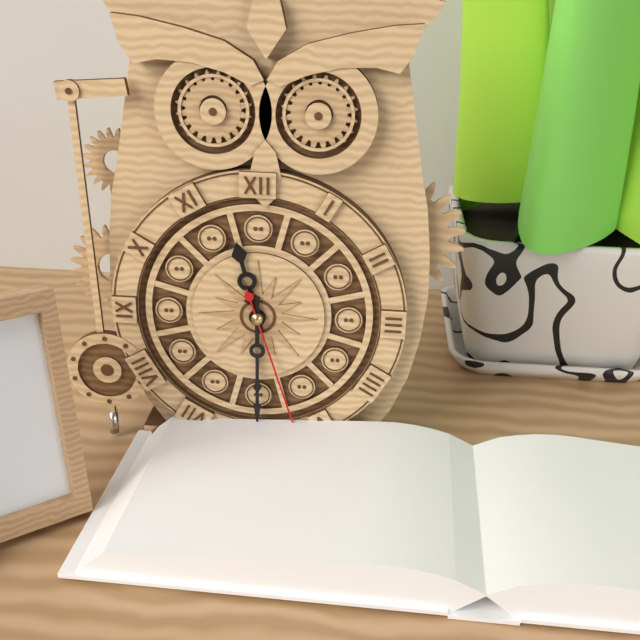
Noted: **11:30:27**
